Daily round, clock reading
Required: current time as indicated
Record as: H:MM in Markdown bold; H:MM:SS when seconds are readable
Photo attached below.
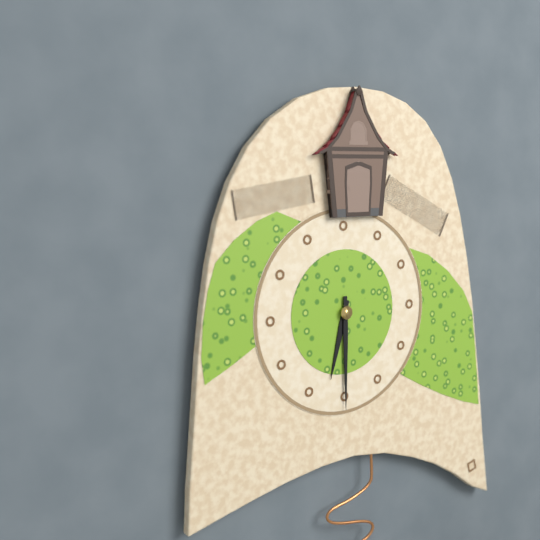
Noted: **6:30**
